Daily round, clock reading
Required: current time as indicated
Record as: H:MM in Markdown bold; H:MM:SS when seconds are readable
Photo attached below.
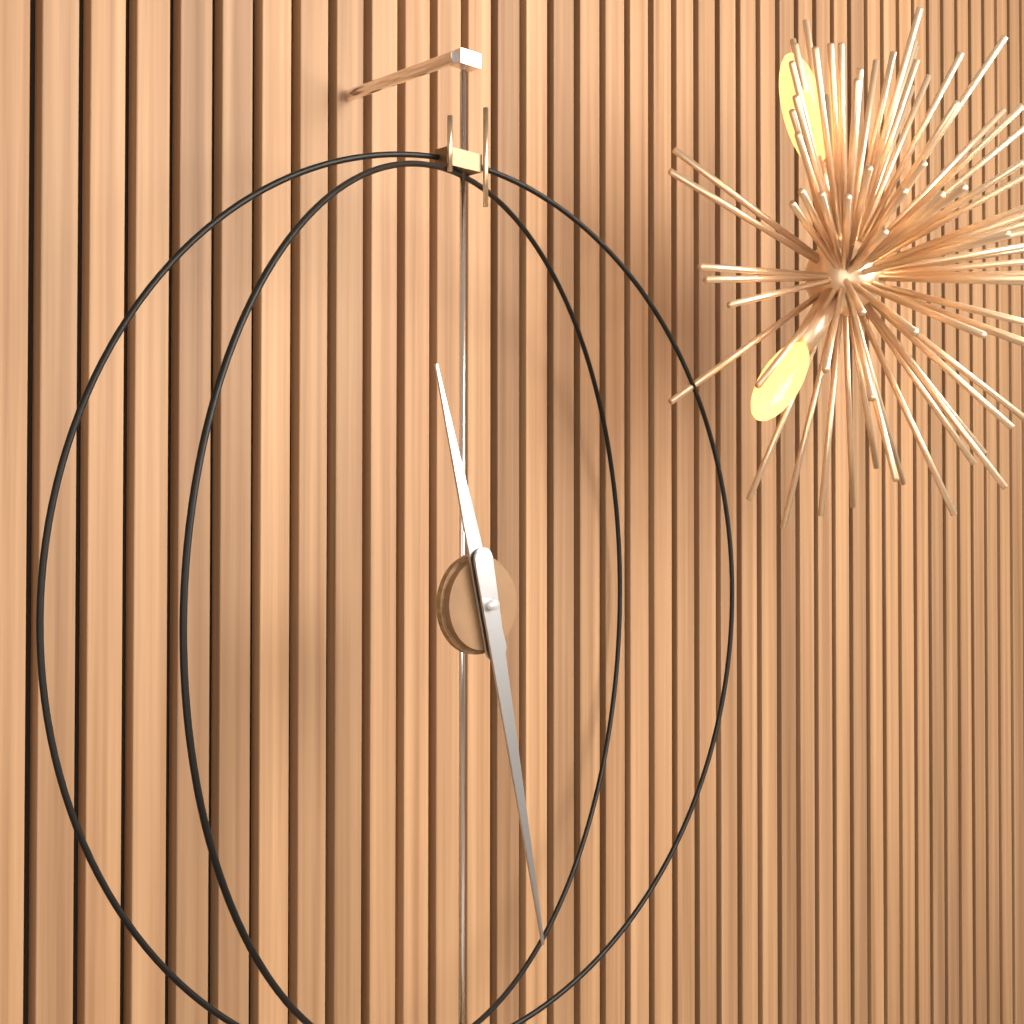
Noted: **11:28**
